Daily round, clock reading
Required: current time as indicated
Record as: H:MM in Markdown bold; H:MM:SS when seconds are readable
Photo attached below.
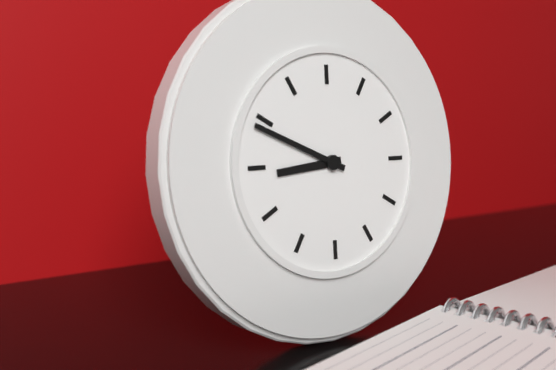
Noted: **8:49**
